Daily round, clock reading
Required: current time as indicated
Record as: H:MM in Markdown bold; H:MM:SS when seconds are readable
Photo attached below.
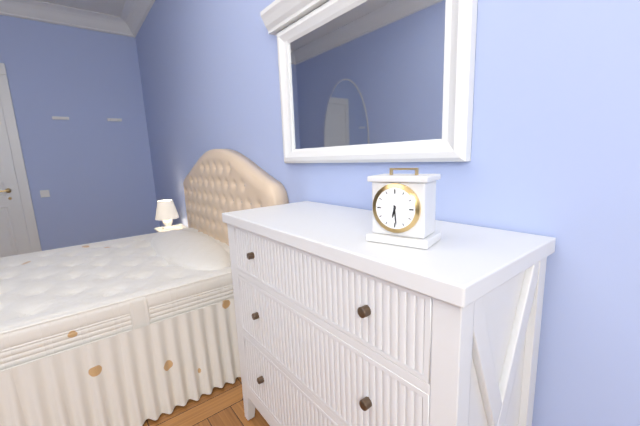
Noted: **6:29**
